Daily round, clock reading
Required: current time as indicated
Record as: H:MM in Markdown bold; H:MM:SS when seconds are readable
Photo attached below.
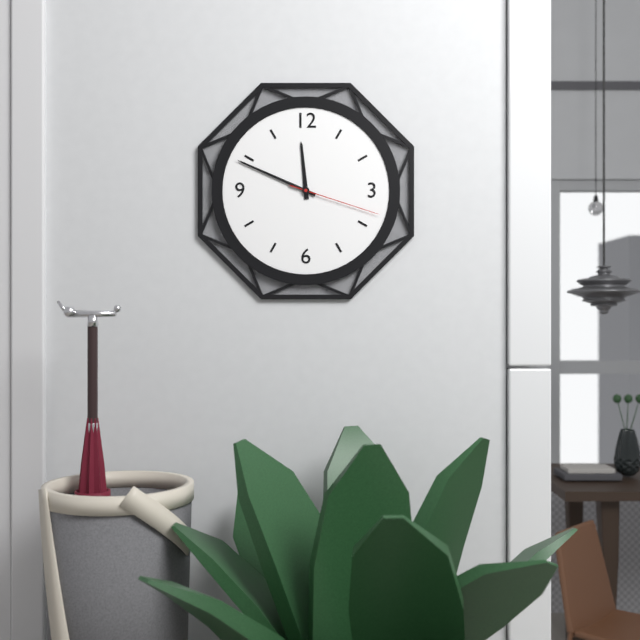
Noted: **11:49:18**
